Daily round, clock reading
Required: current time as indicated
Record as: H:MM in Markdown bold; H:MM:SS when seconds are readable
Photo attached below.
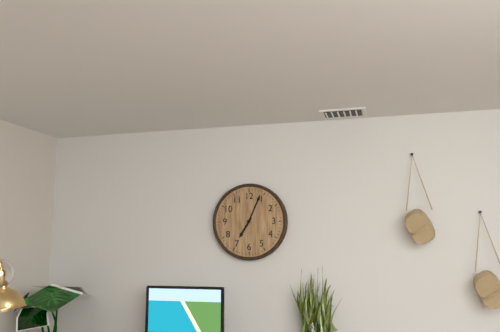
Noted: **7:04**
